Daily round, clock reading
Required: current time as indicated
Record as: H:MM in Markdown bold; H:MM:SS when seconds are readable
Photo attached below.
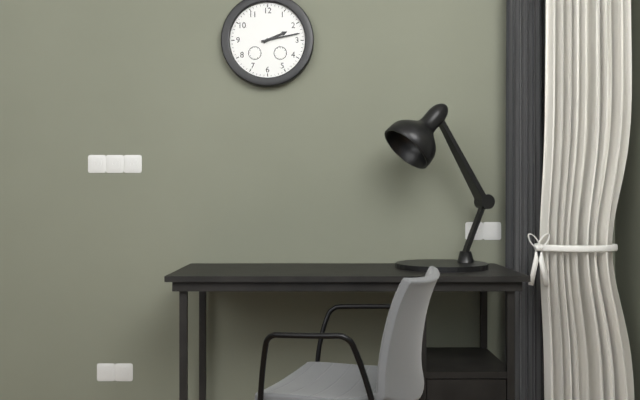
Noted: **2:13**
